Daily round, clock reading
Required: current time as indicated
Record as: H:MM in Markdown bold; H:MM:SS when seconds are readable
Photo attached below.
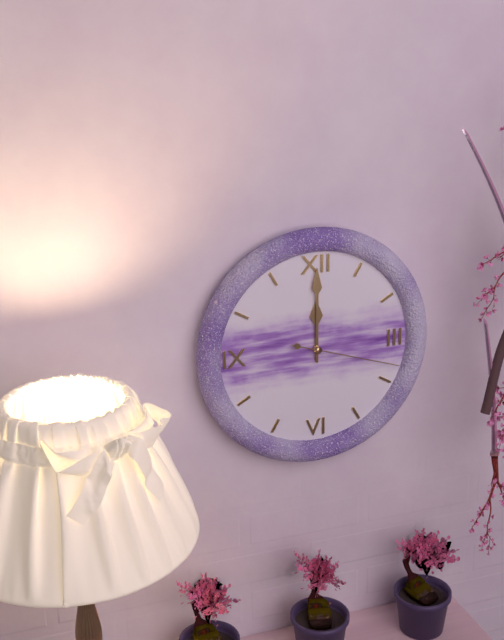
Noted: **12:00:18**
